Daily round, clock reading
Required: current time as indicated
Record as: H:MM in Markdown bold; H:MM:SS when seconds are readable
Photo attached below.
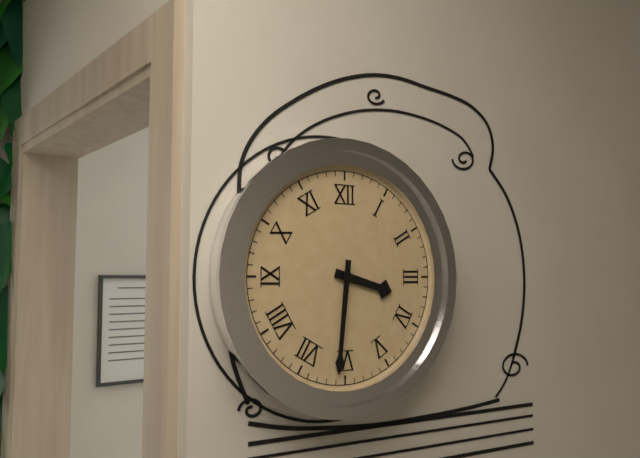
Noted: **3:31**
